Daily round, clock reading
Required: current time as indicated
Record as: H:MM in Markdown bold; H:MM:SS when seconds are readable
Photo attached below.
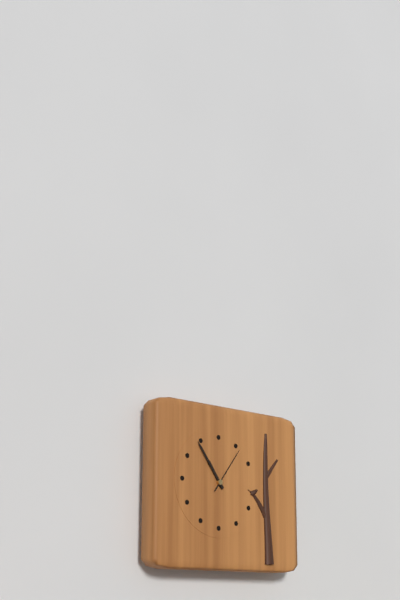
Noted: **10:54**
